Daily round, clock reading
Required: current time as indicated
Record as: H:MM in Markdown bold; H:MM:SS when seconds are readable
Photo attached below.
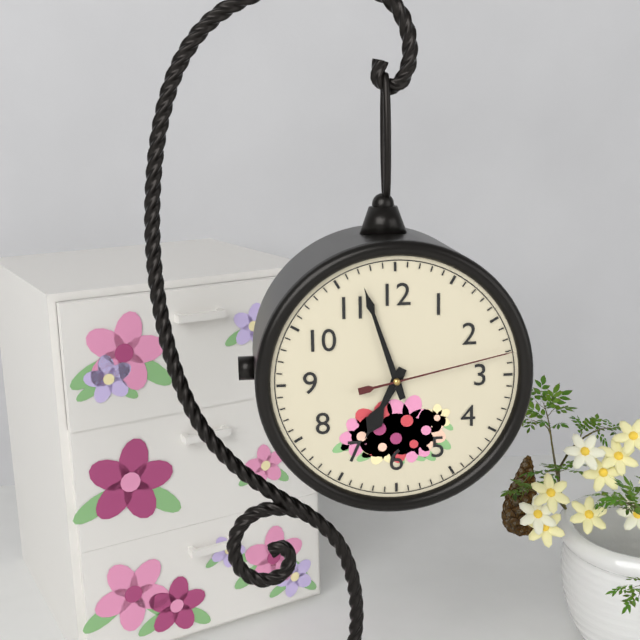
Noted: **6:57:13**
